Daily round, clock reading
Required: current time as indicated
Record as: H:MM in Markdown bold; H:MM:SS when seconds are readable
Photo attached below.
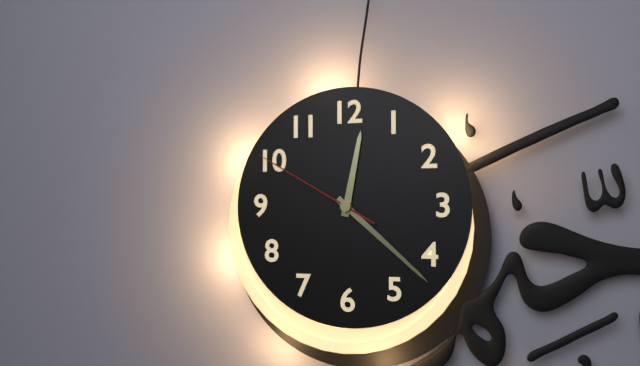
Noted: **12:22:50**
